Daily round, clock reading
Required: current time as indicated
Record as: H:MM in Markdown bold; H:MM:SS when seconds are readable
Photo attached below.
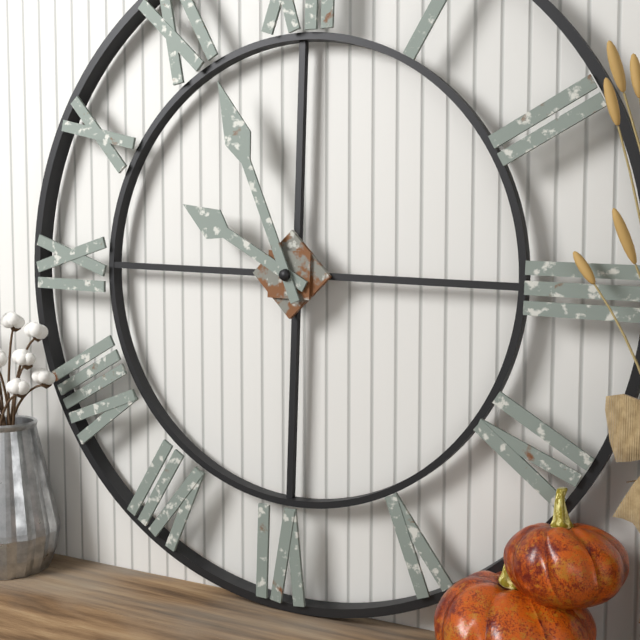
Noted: **9:56**
